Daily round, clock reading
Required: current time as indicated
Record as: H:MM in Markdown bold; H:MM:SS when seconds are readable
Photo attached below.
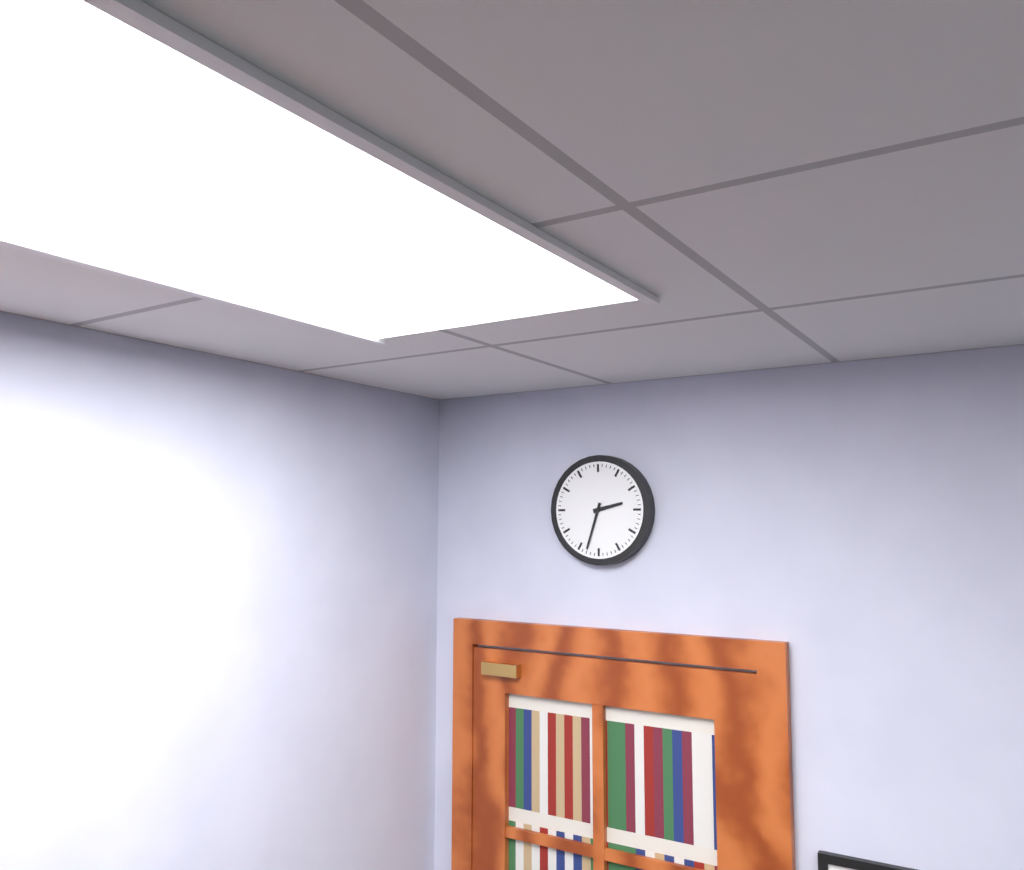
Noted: **2:33**
